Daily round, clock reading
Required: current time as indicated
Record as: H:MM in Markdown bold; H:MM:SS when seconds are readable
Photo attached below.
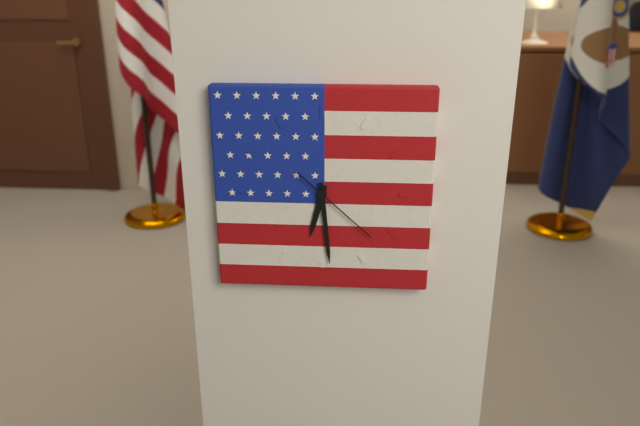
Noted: **6:29:22**
